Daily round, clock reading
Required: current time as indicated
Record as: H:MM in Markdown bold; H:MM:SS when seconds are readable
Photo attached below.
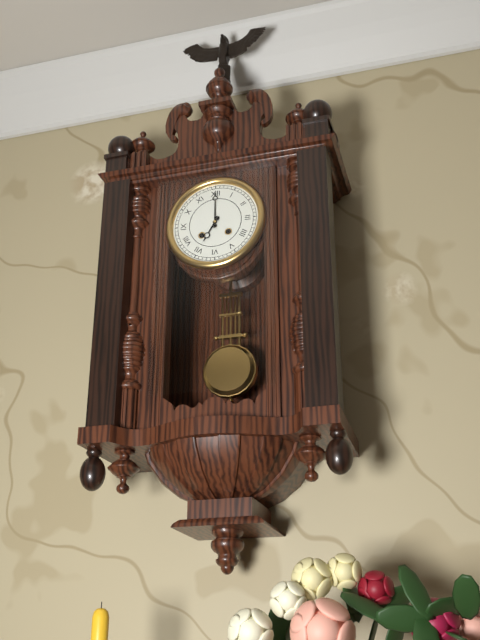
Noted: **7:00**
